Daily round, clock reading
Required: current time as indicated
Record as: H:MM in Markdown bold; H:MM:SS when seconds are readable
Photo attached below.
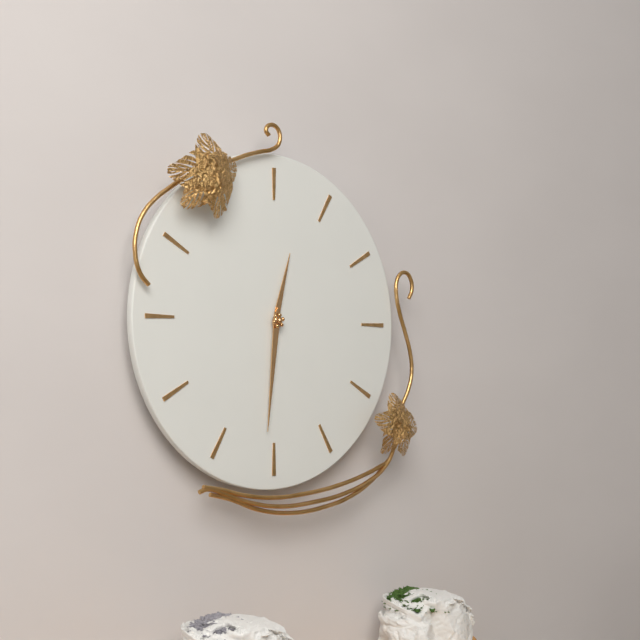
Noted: **12:31**
